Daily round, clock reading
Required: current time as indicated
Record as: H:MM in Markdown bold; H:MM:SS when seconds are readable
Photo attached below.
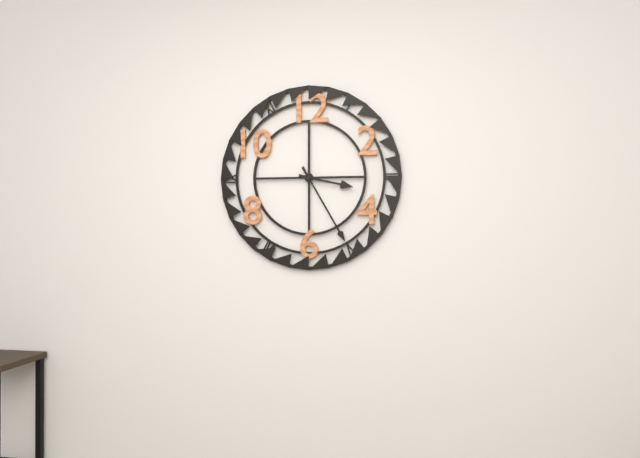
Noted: **3:25**
